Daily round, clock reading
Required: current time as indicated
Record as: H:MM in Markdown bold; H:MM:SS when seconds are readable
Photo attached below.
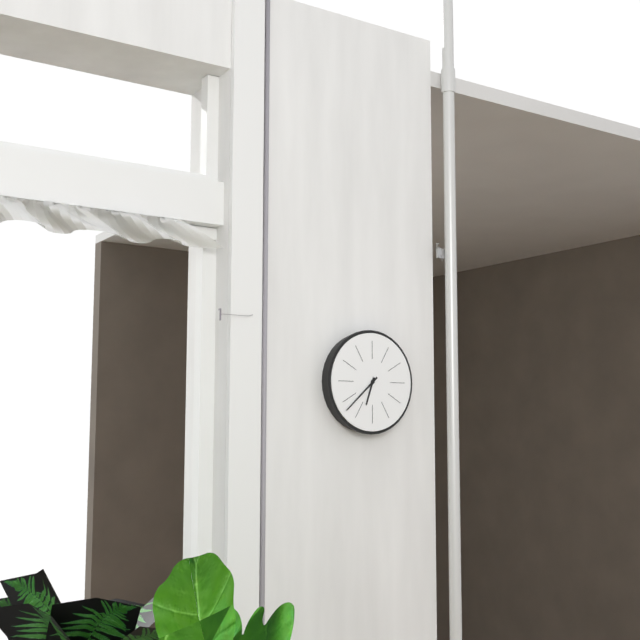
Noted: **6:38**
